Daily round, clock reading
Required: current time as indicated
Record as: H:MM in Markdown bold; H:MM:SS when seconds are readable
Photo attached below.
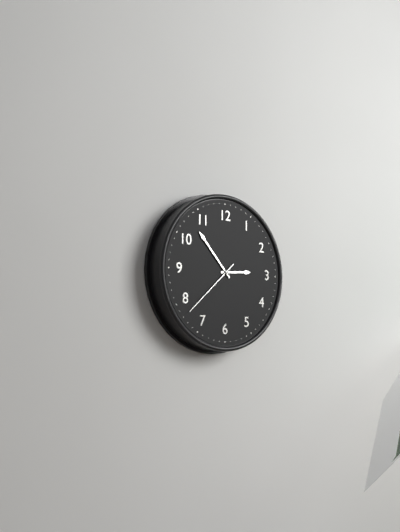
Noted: **2:53:38**
